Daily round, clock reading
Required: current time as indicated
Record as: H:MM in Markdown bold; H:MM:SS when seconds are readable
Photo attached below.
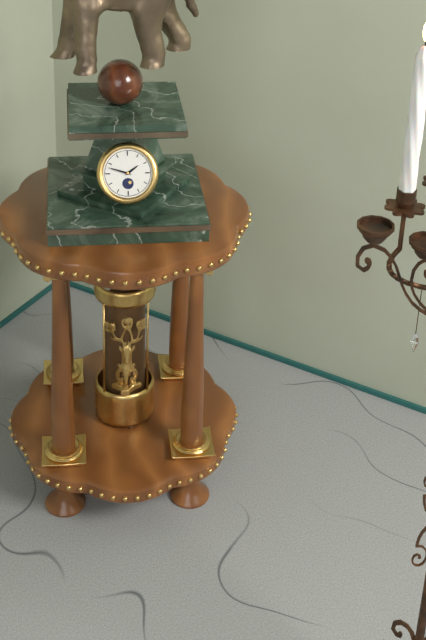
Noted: **1:48**
